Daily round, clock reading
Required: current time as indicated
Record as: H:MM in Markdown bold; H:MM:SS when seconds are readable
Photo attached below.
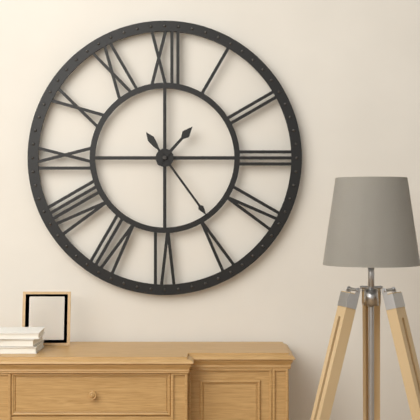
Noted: **1:24**
